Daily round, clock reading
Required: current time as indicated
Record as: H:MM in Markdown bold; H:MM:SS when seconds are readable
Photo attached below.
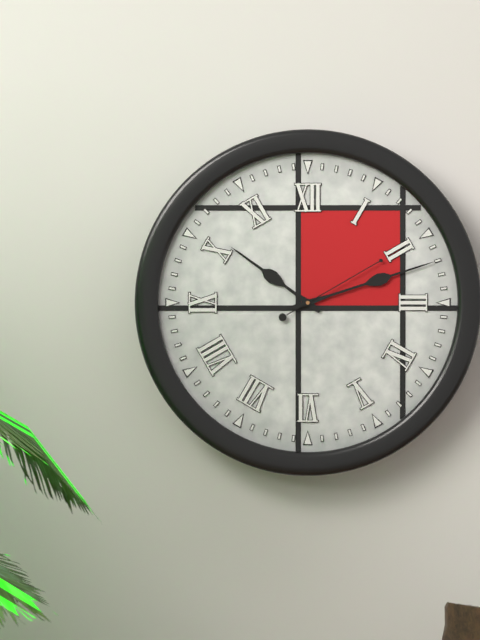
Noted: **10:12:10**
